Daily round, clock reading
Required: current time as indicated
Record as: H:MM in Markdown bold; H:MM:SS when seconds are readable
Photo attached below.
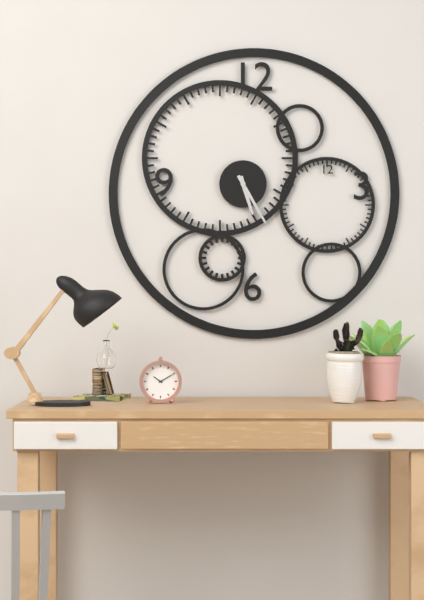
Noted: **5:25**
